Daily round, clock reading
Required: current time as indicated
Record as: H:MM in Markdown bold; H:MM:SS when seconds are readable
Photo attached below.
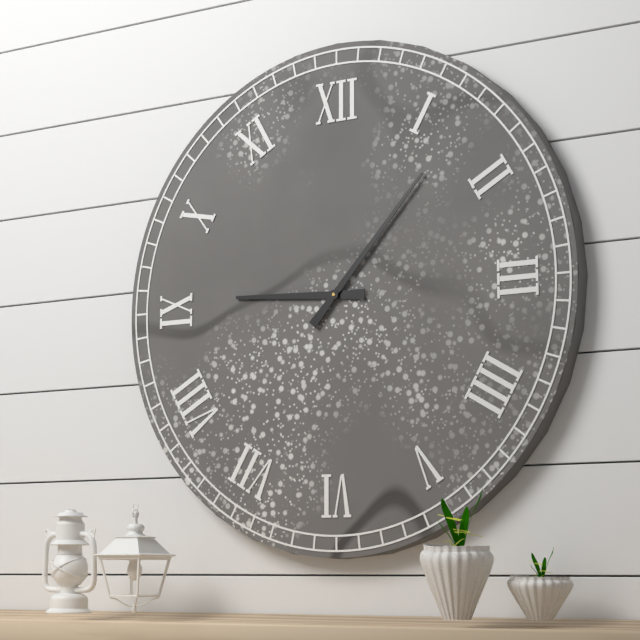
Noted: **9:07**
